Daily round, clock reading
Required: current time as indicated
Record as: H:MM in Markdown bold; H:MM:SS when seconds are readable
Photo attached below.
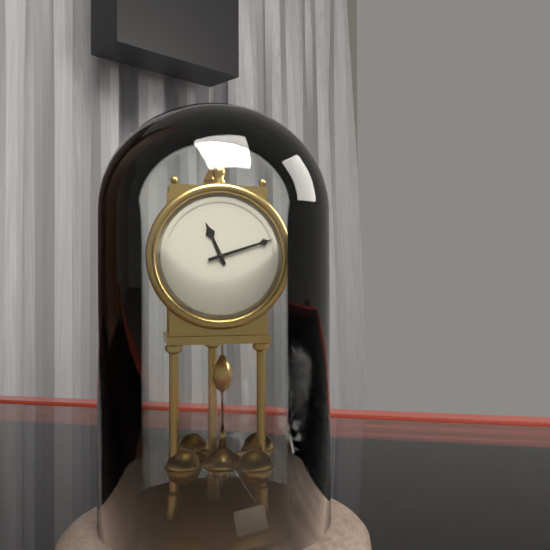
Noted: **11:12**
